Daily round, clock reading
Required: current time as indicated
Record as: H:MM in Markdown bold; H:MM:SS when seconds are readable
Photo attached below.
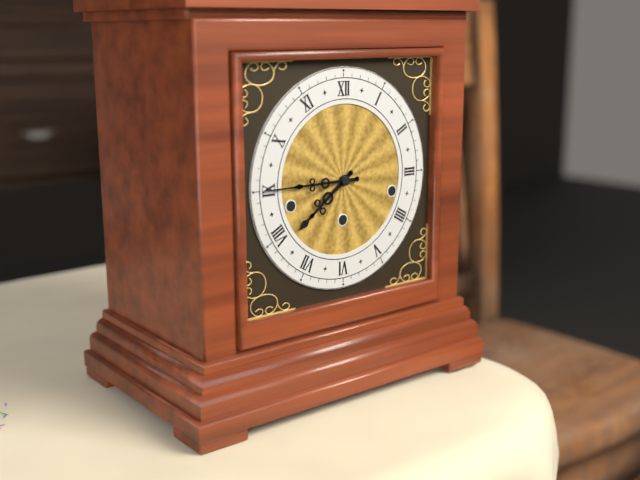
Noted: **7:45**
